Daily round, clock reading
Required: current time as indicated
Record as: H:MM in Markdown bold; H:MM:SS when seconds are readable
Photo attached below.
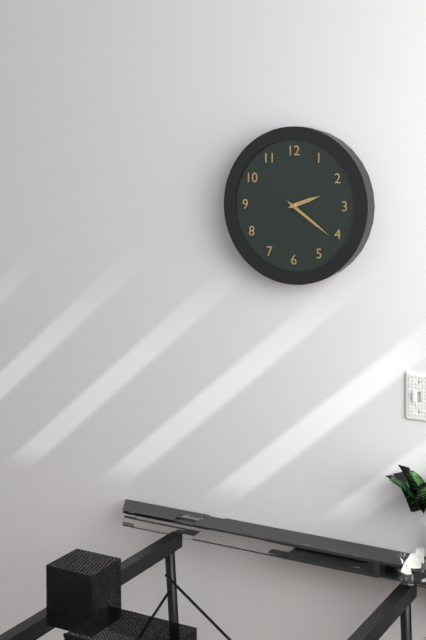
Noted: **2:21**
